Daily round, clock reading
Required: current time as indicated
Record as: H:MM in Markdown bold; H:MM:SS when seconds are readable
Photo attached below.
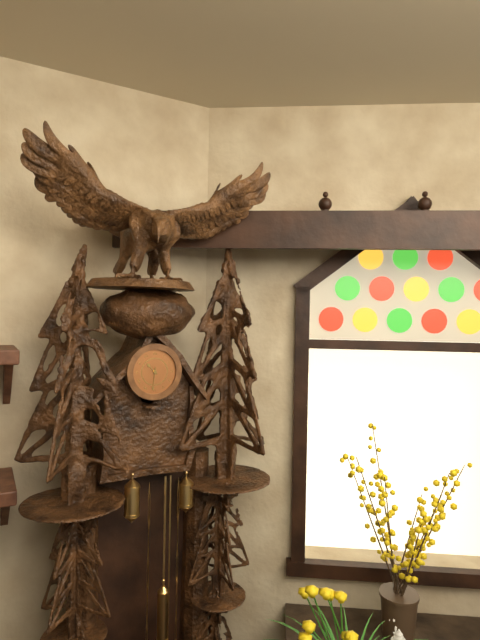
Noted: **10:31**
